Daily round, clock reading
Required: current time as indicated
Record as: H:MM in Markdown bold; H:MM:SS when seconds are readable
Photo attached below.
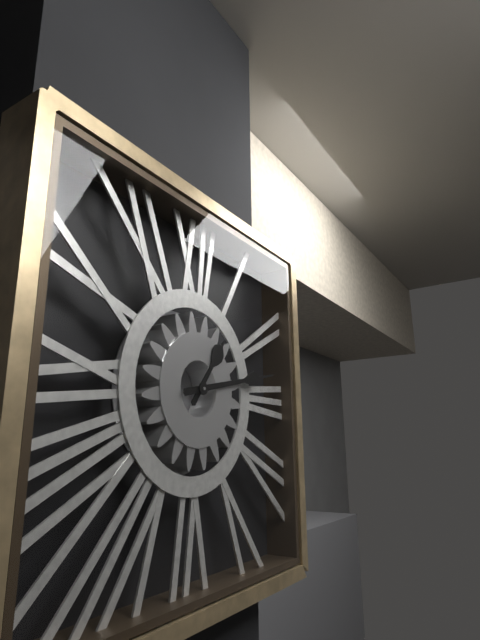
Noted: **1:13**
